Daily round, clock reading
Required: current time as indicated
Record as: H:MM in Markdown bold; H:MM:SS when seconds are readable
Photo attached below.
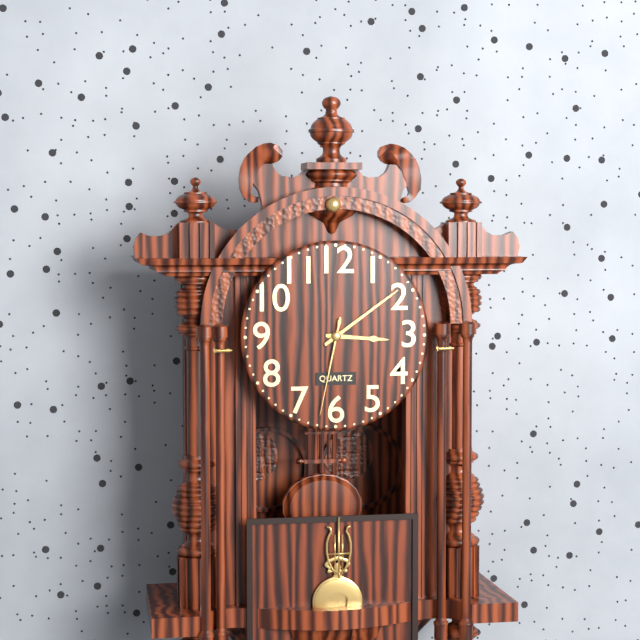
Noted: **3:09:32**
